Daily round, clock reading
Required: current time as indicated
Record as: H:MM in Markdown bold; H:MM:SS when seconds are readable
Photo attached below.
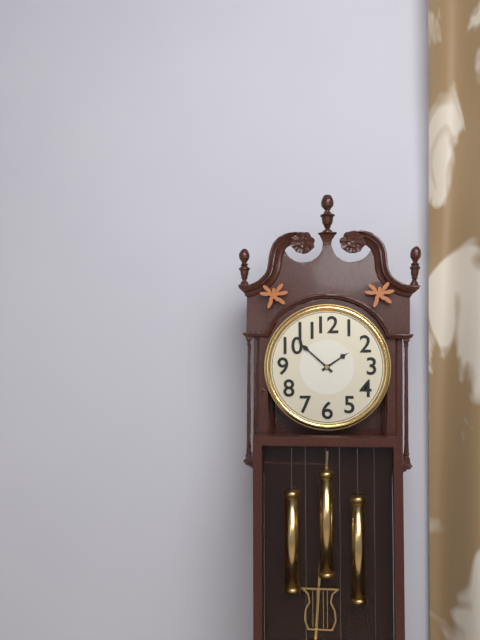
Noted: **1:52**
